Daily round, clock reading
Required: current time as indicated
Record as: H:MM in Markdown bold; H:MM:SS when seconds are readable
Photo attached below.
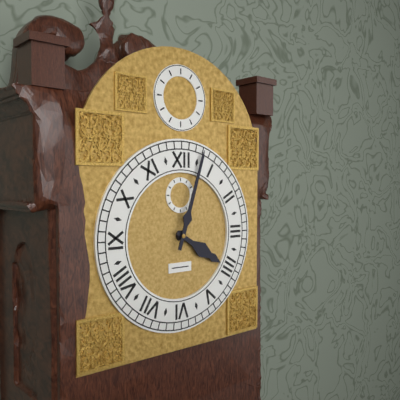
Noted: **4:03**
